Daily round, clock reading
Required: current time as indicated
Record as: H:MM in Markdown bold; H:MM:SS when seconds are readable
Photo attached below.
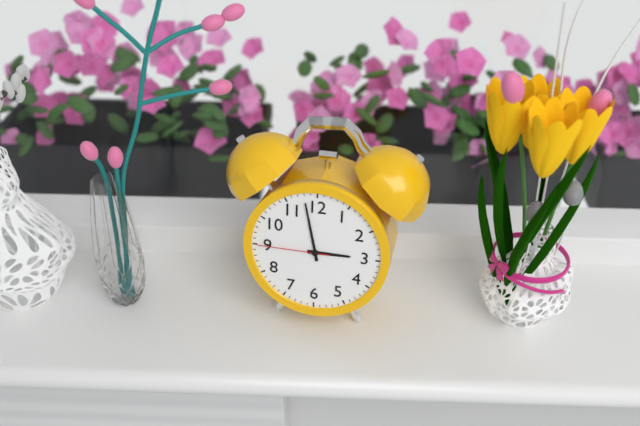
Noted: **2:58:45**
